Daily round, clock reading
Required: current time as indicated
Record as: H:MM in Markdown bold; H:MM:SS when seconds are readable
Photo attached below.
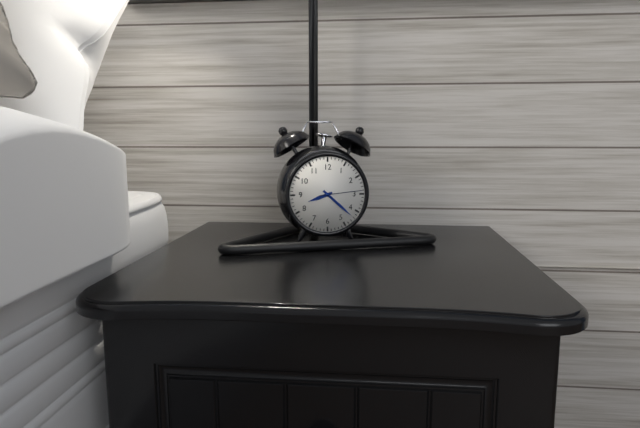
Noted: **8:22**
